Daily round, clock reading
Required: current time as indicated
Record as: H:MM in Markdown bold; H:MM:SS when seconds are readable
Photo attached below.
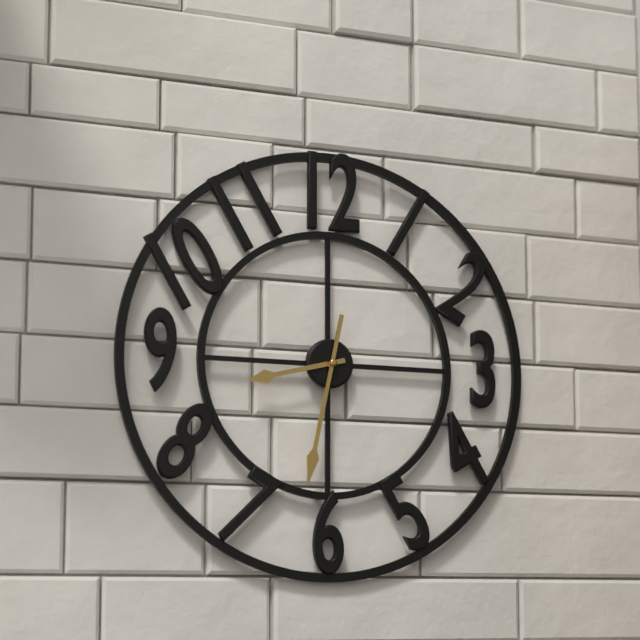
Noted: **8:32**
